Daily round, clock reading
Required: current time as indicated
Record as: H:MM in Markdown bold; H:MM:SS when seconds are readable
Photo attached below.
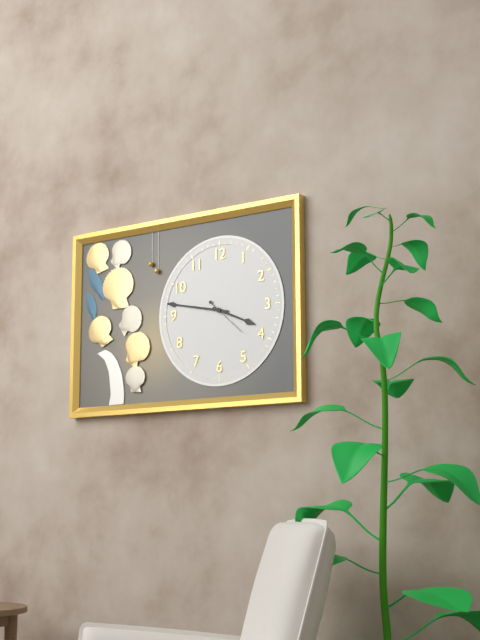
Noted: **3:47**
